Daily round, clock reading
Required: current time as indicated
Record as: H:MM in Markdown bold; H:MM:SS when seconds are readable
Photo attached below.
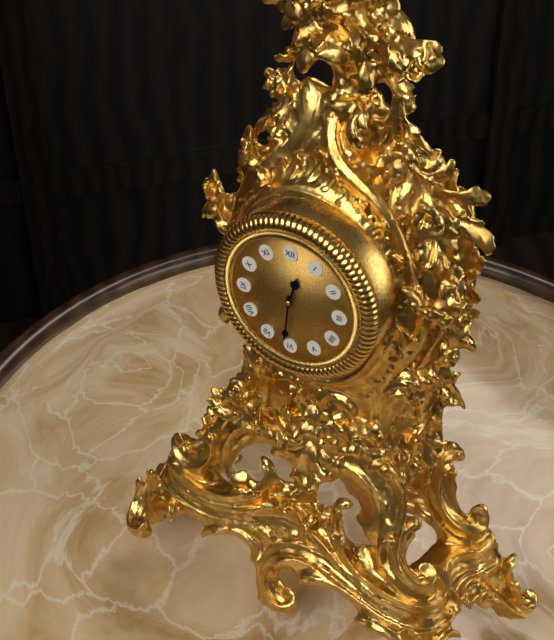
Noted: **12:31**
